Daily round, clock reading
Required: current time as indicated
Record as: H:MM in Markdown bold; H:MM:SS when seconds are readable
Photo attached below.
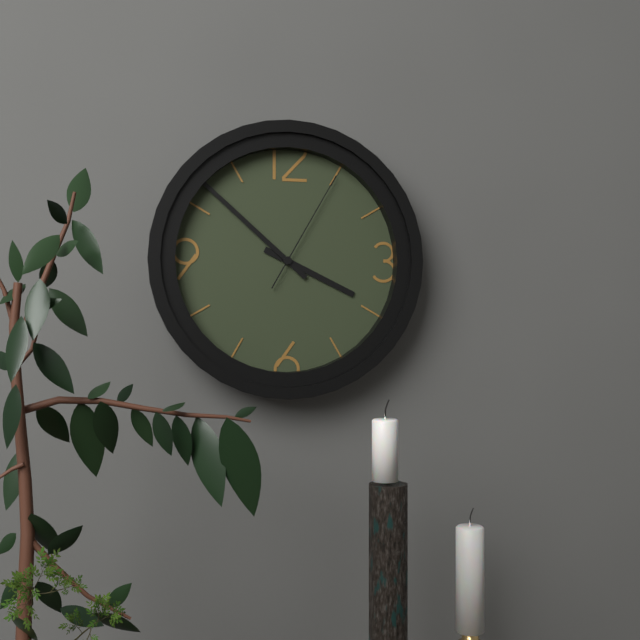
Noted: **3:52:05**
